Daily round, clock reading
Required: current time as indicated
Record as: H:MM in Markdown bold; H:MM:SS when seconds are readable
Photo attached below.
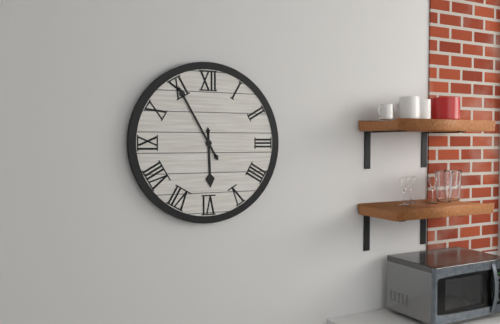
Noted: **5:55**
